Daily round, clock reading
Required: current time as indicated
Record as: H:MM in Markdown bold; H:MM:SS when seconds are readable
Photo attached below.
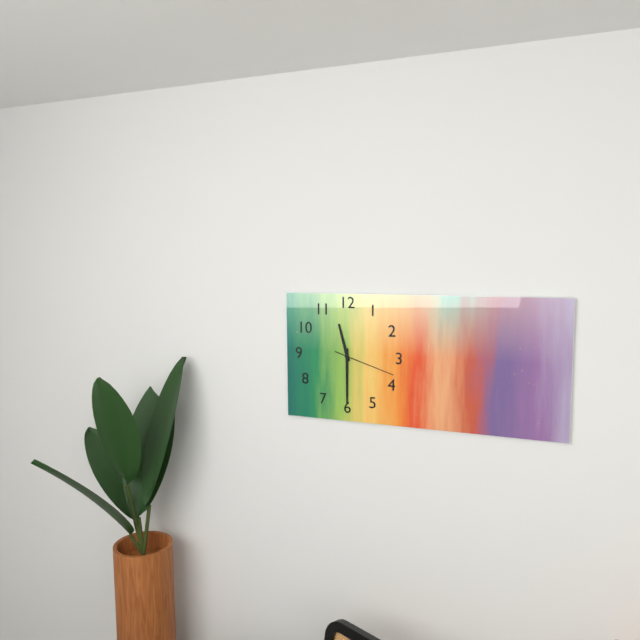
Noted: **11:30:18**
